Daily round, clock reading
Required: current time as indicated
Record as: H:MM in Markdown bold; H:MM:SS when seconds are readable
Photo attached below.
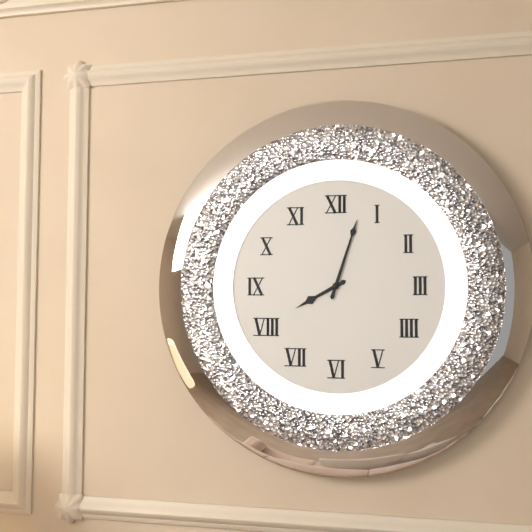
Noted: **8:03**
